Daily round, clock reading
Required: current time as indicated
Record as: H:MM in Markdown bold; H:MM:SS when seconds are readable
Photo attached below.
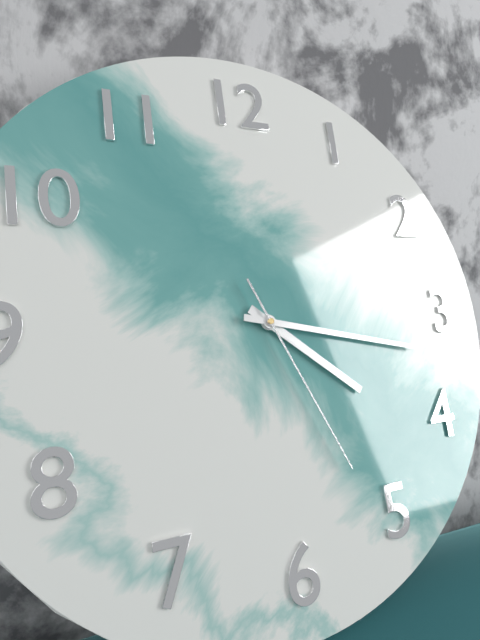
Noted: **4:17:26**
